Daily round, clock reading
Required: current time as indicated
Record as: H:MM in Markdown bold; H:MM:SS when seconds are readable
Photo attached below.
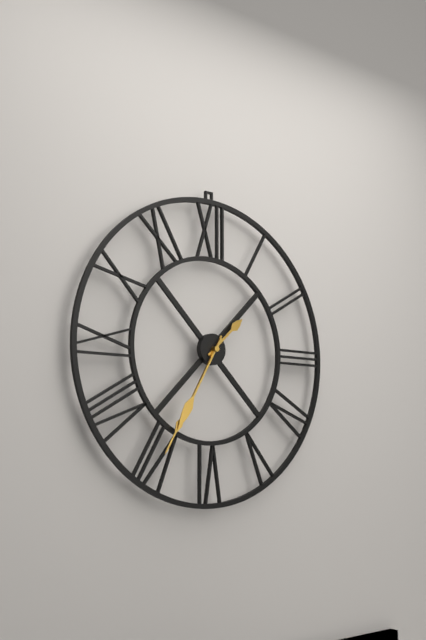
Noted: **1:35:35**
